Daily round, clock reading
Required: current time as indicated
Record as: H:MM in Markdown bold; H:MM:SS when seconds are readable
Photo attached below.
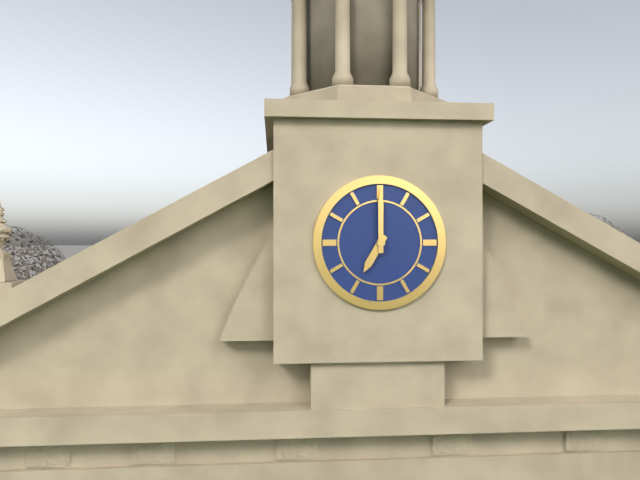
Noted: **7:00**
